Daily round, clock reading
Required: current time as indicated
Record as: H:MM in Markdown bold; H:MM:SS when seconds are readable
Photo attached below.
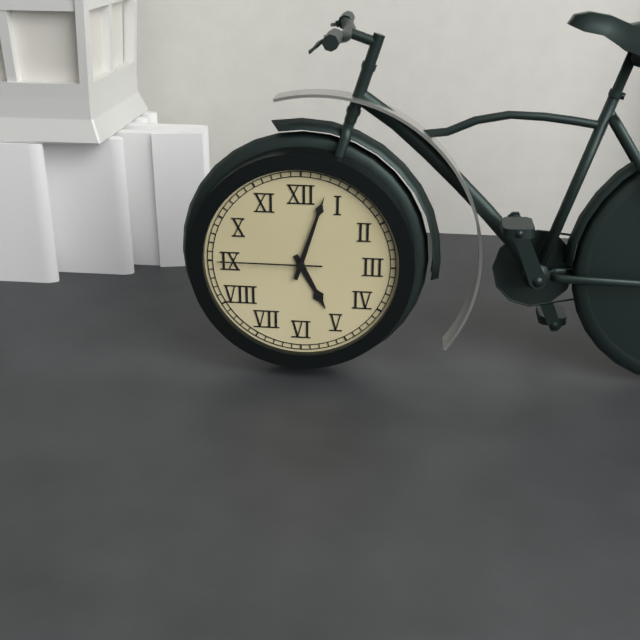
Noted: **5:03:45**
